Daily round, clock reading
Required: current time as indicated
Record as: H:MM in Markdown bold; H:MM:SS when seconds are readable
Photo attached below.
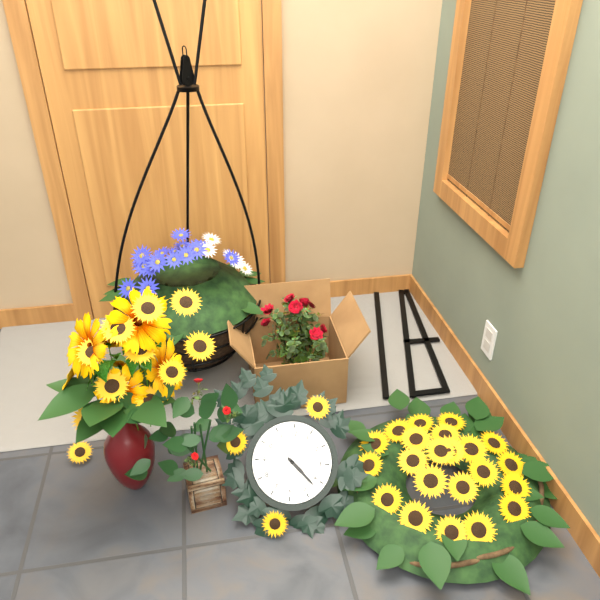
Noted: **4:22**
